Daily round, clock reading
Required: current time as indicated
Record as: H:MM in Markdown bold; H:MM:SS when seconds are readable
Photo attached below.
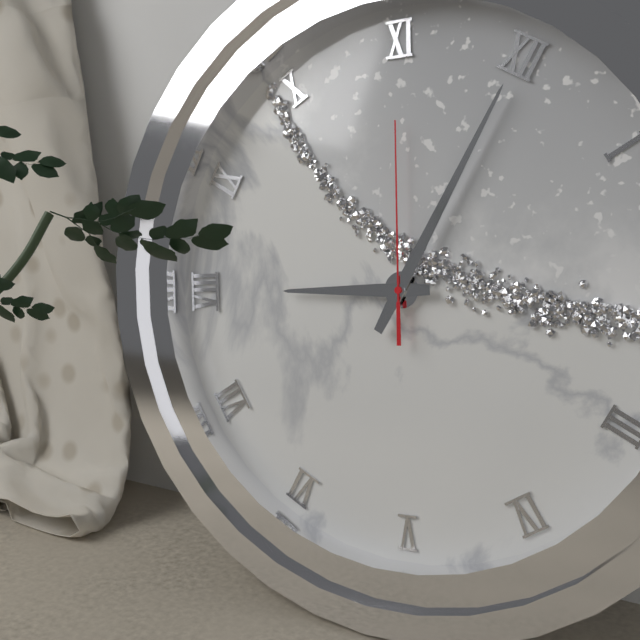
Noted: **8:00:55**
